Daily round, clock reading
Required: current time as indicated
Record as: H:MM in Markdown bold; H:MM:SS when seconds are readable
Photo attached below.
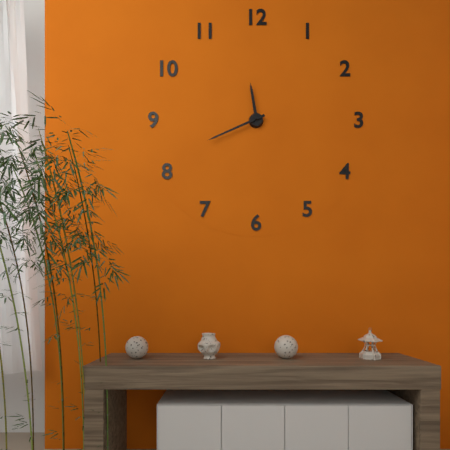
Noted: **11:41**
